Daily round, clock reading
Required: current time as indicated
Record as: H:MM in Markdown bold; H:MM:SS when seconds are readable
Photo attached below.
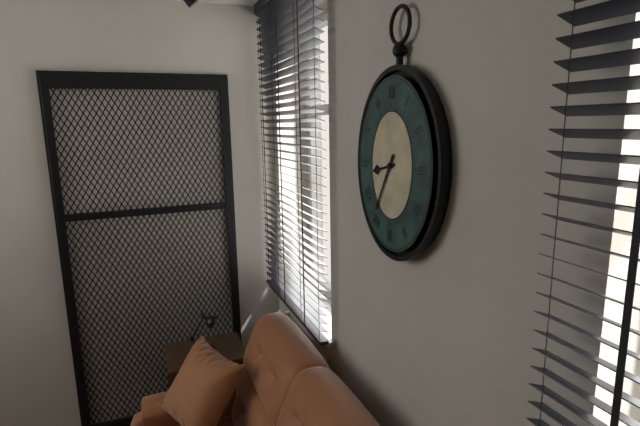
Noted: **8:35**
